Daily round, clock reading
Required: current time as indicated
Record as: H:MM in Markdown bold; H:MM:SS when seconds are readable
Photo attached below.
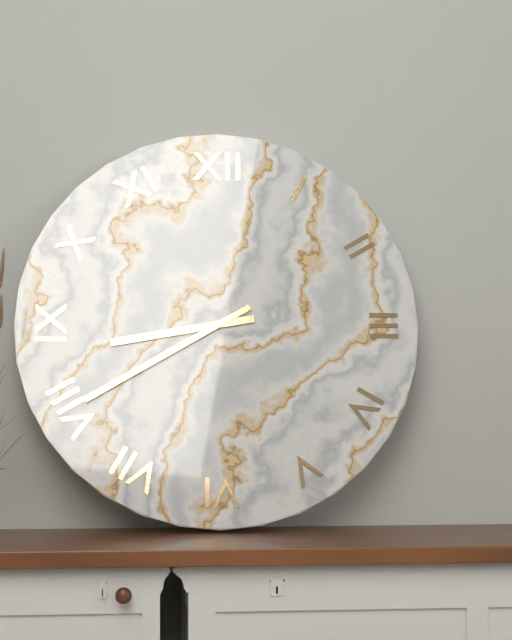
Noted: **8:40**
